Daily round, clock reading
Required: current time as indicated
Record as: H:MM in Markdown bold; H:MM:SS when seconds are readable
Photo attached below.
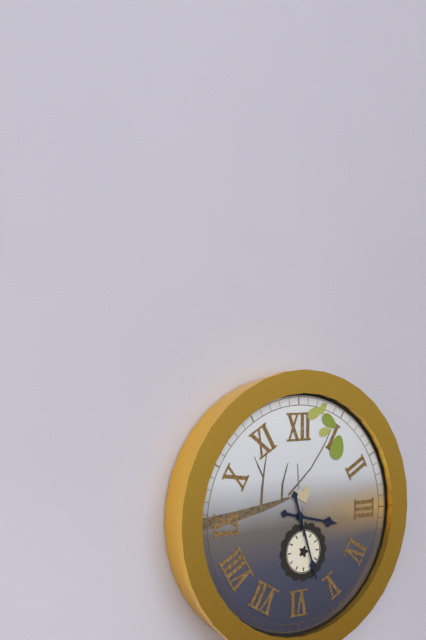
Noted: **3:27**
